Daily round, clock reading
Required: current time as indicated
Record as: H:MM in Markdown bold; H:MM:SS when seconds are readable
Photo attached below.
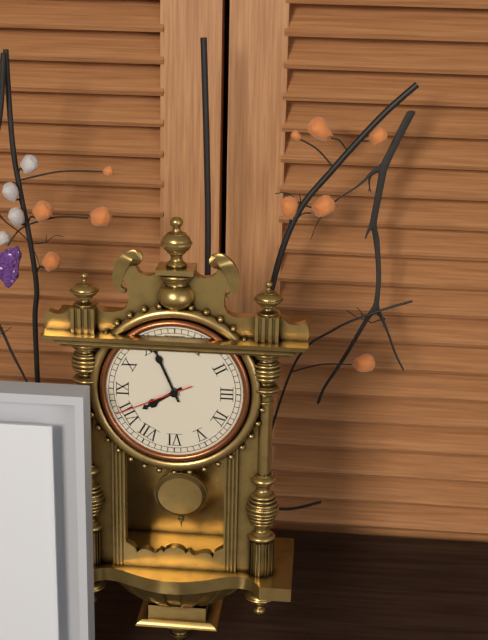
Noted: **7:56:41**
